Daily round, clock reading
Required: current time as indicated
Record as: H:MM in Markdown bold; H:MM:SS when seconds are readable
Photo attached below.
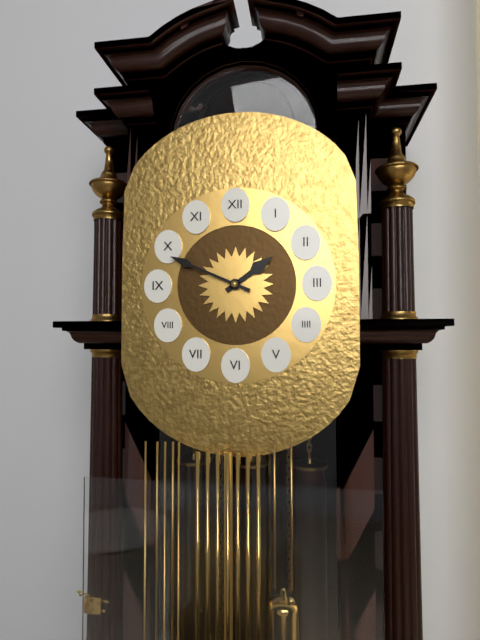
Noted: **1:49**
